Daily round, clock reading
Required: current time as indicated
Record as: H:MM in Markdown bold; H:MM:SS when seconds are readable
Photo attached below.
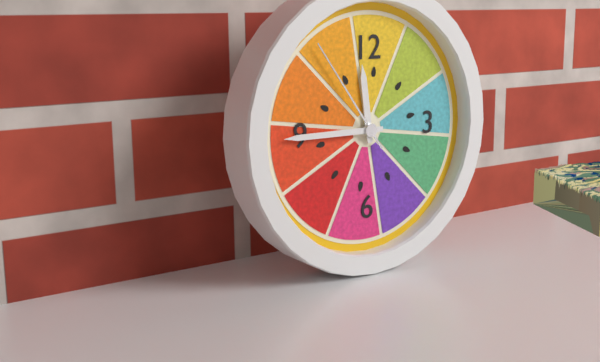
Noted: **11:45:54**
